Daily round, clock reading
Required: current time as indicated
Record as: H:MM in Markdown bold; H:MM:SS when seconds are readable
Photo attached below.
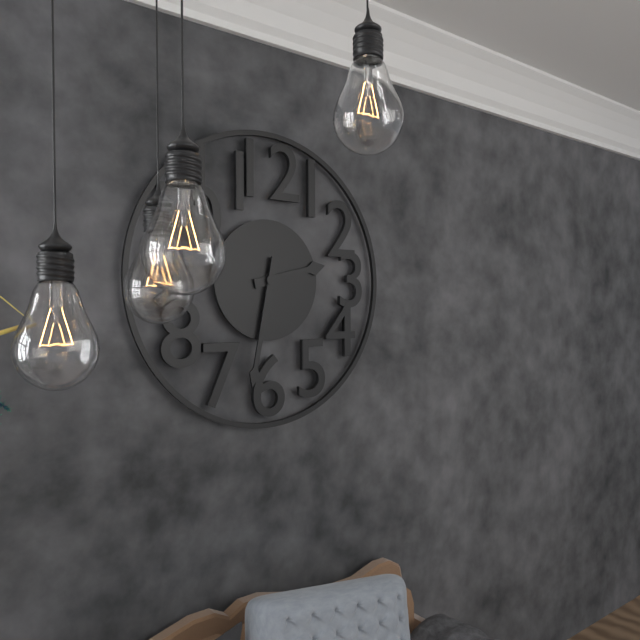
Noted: **2:32**
